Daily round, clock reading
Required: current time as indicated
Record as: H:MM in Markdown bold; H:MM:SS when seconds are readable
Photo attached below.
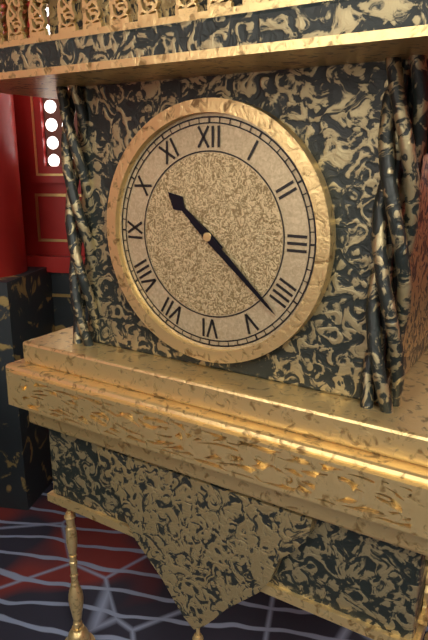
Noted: **10:22**
